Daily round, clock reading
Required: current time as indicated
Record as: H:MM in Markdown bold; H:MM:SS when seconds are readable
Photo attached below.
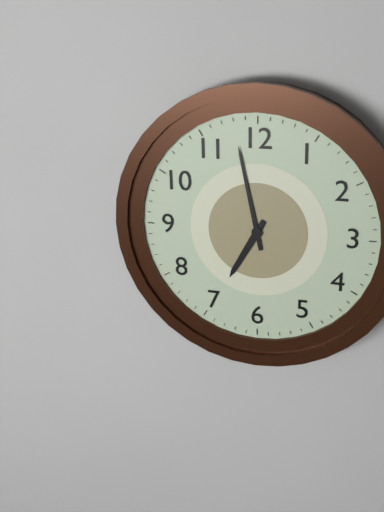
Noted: **6:58**
